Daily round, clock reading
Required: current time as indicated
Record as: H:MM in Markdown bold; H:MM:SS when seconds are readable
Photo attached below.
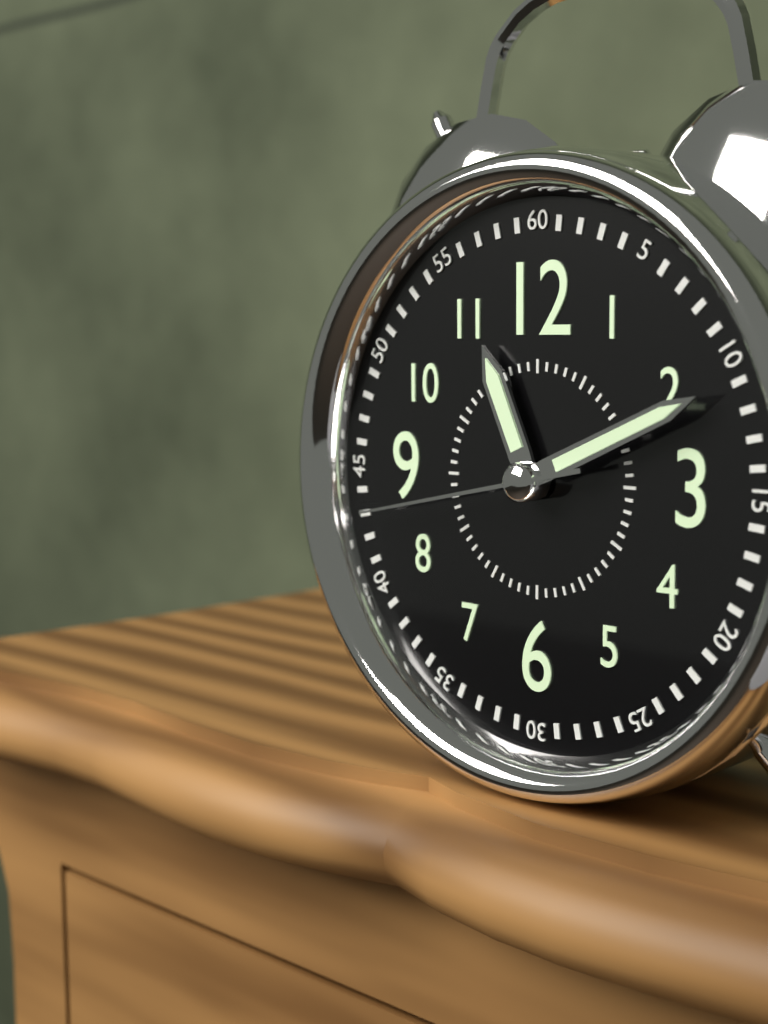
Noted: **11:11:43**
